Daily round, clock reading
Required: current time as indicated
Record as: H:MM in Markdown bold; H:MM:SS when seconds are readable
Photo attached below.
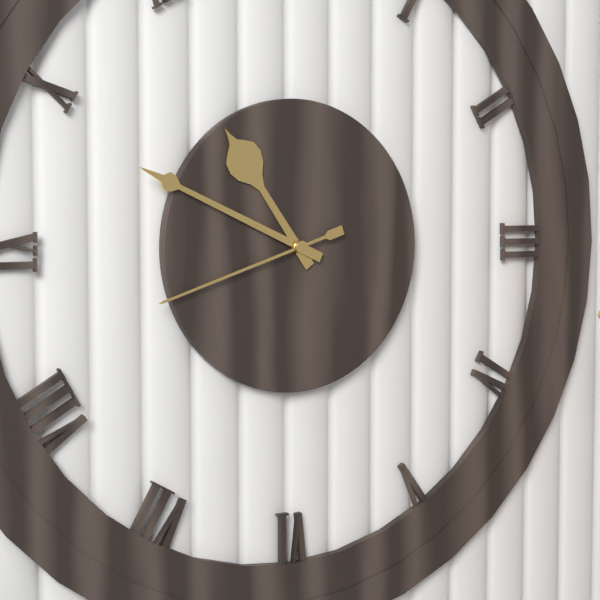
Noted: **10:49:42**
